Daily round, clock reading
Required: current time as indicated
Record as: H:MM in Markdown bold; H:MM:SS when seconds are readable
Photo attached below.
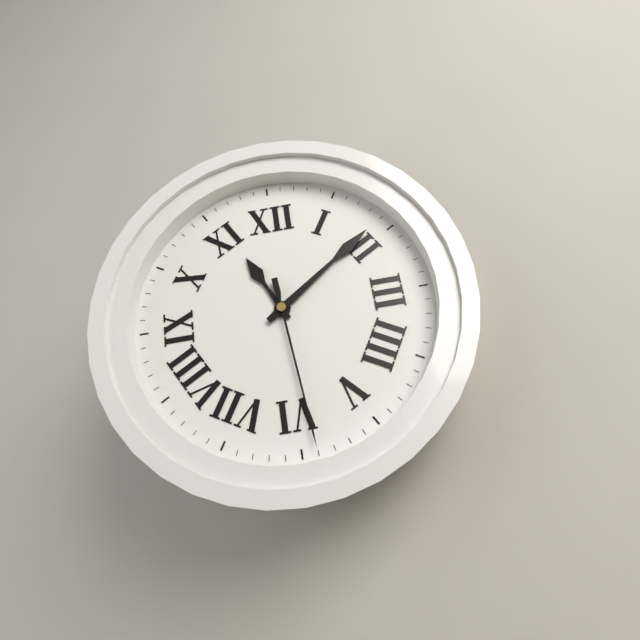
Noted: **11:09:29**
